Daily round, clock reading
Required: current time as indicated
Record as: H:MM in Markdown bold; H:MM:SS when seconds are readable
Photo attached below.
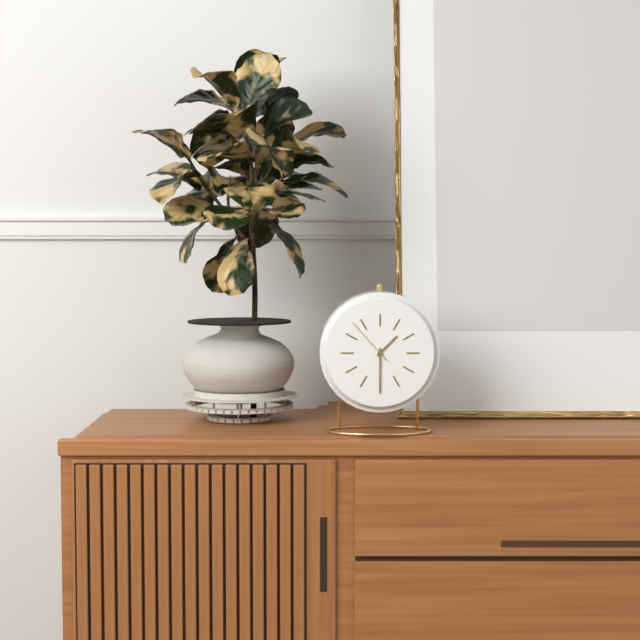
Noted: **1:30:53**
